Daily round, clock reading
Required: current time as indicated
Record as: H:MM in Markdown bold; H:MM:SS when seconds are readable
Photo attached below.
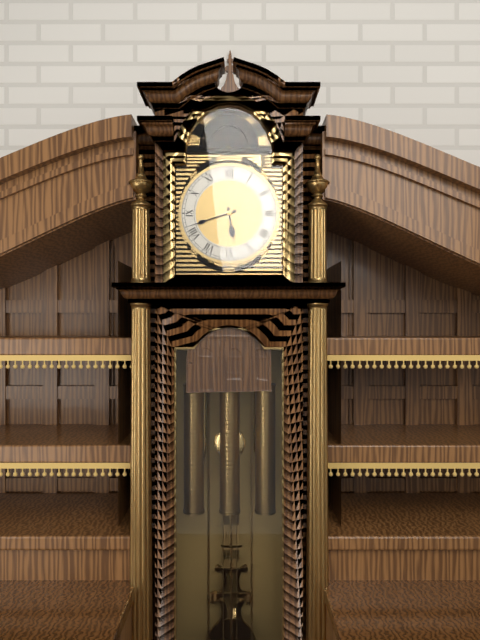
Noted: **5:42**
